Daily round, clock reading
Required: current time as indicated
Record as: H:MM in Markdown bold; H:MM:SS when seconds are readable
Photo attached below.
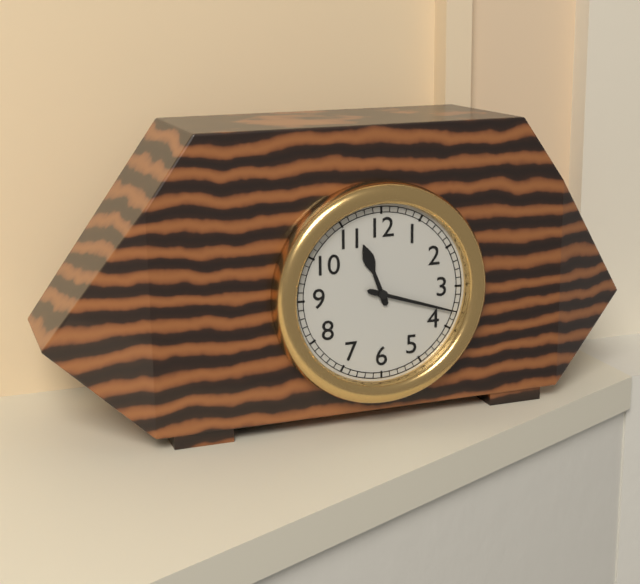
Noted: **11:18**
